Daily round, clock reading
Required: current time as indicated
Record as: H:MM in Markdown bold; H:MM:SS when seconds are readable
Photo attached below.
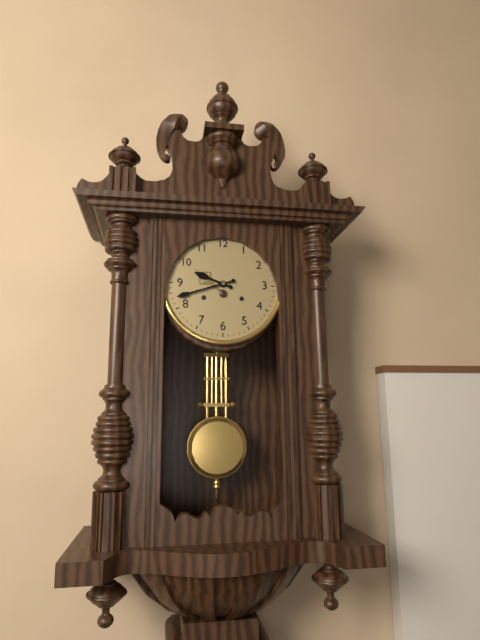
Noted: **9:42**
